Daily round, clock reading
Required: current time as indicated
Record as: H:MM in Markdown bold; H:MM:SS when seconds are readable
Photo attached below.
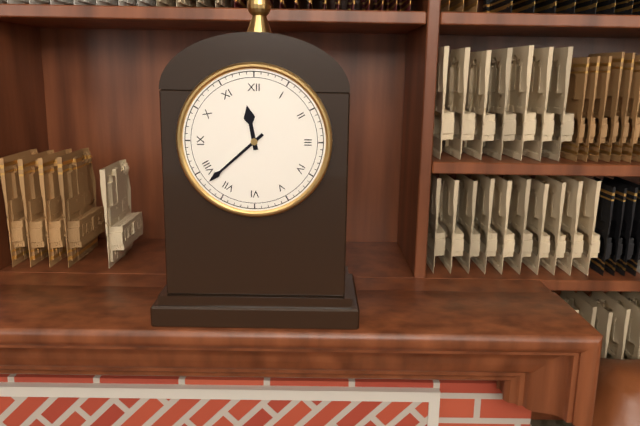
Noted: **11:38**
